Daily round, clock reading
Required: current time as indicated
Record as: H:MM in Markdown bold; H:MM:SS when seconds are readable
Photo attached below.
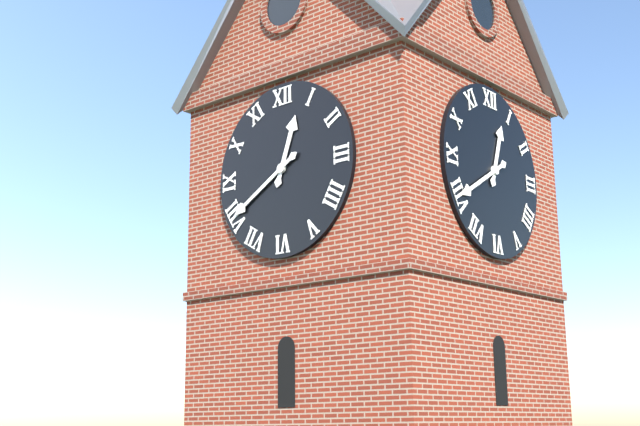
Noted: **12:40**
